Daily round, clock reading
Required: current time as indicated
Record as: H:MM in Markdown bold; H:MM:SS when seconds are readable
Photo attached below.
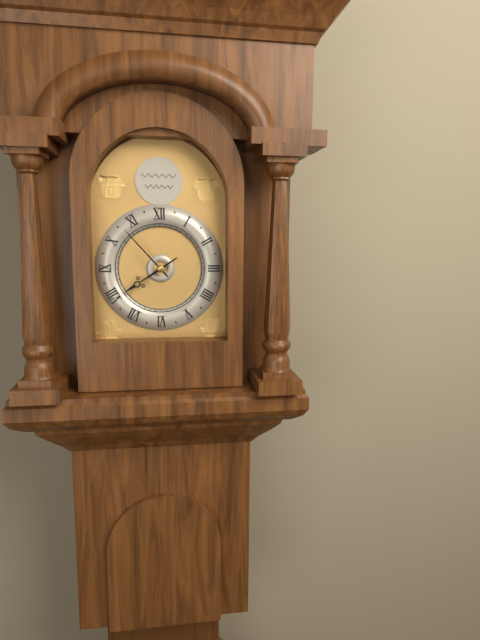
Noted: **7:53**
